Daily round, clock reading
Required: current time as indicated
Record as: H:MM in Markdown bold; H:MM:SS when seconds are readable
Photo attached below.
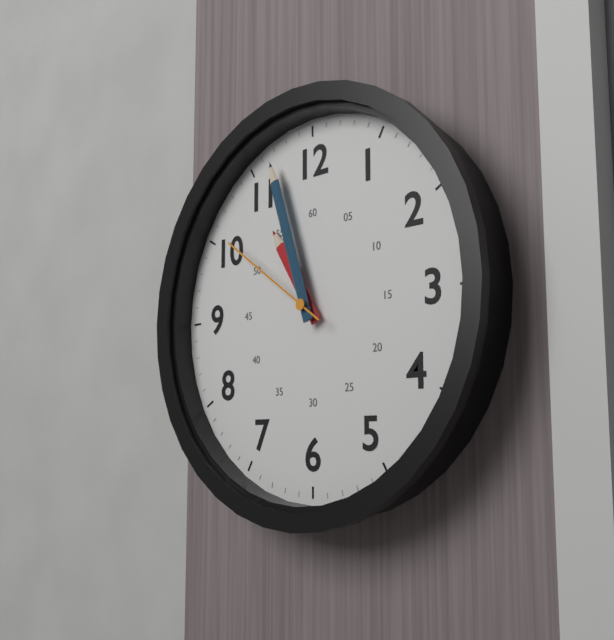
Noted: **10:57:51**
